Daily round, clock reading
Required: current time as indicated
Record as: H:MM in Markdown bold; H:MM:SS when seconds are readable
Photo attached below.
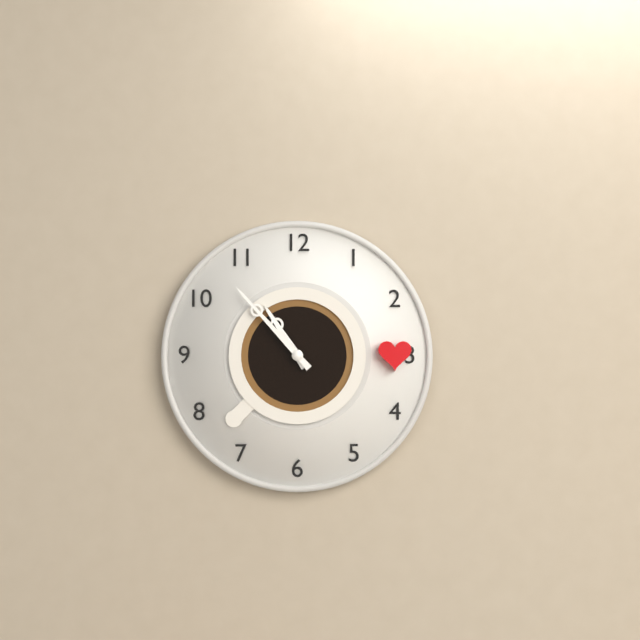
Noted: **10:53**
